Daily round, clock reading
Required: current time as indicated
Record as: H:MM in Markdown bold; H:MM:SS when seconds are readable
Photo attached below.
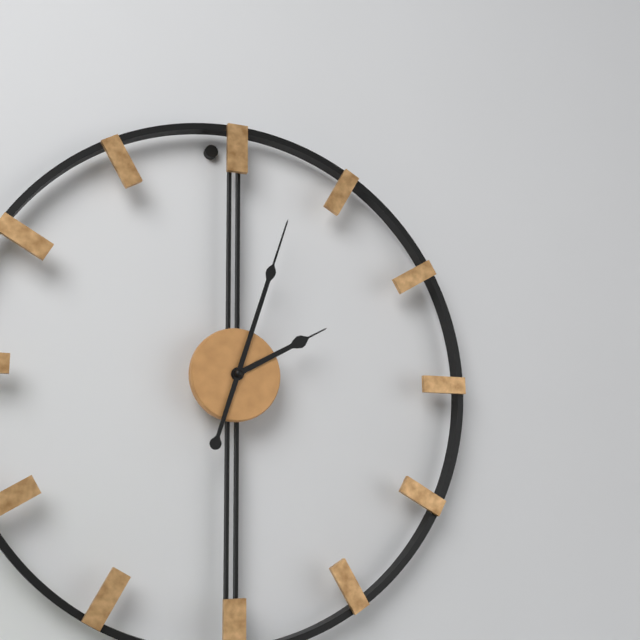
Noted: **2:03**
